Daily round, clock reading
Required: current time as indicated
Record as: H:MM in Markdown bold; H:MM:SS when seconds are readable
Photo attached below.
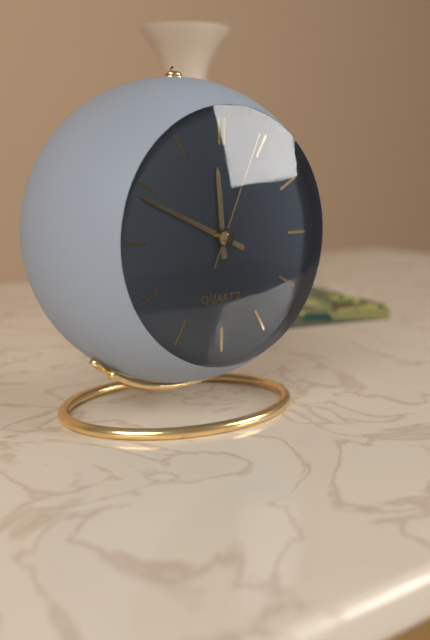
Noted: **11:49:04**
